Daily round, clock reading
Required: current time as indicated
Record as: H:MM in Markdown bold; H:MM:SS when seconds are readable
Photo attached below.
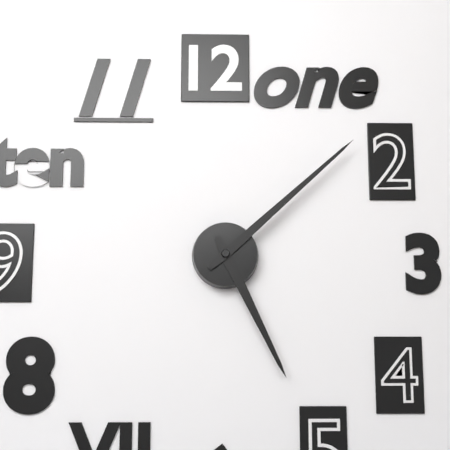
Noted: **5:08**
